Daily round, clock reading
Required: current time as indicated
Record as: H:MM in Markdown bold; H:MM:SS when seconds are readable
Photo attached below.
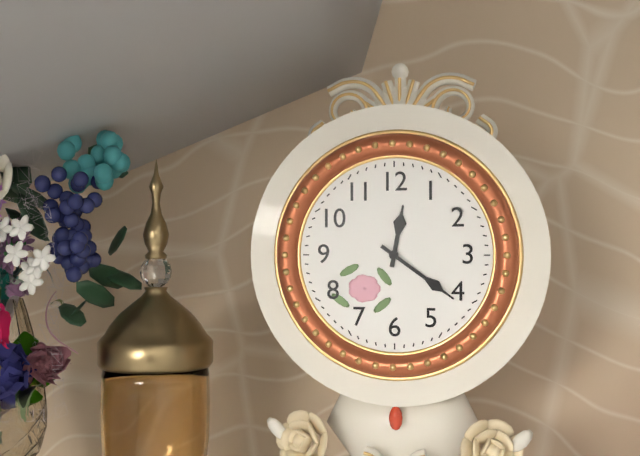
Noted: **12:21**
